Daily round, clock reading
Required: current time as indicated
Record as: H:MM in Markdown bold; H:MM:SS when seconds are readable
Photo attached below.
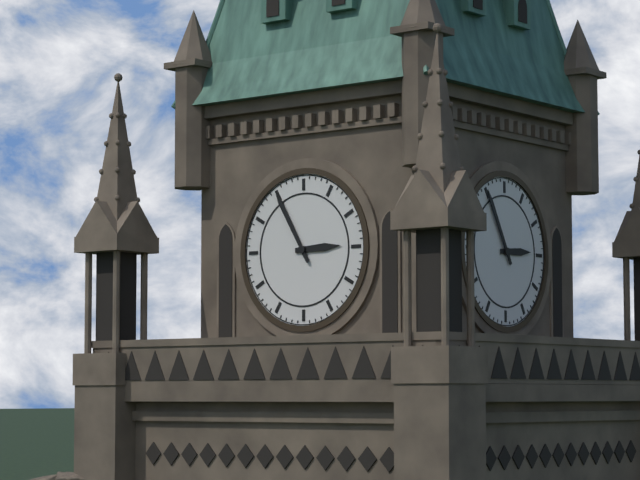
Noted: **2:55**
